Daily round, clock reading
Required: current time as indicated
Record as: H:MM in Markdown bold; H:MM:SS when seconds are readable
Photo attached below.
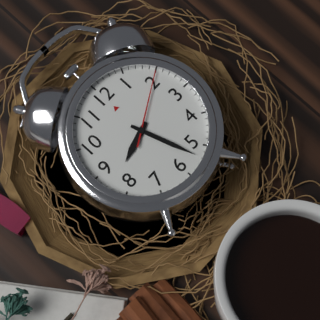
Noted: **8:27:10**
